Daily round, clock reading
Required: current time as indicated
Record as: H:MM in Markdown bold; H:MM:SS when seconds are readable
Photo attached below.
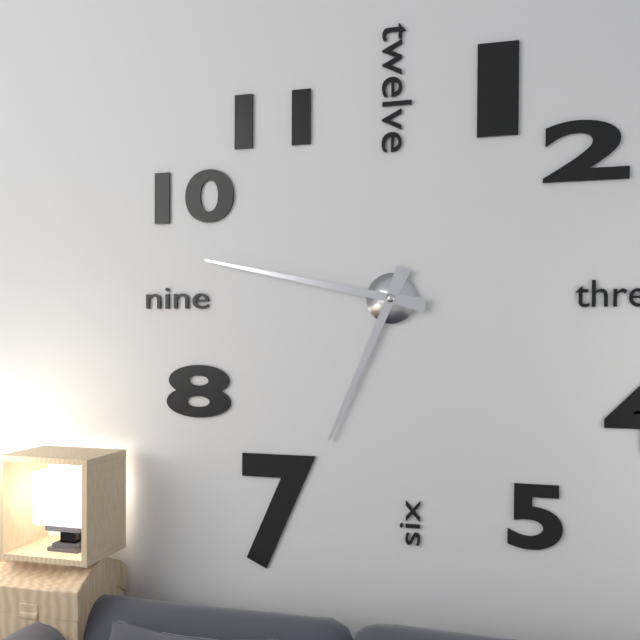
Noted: **6:47**
